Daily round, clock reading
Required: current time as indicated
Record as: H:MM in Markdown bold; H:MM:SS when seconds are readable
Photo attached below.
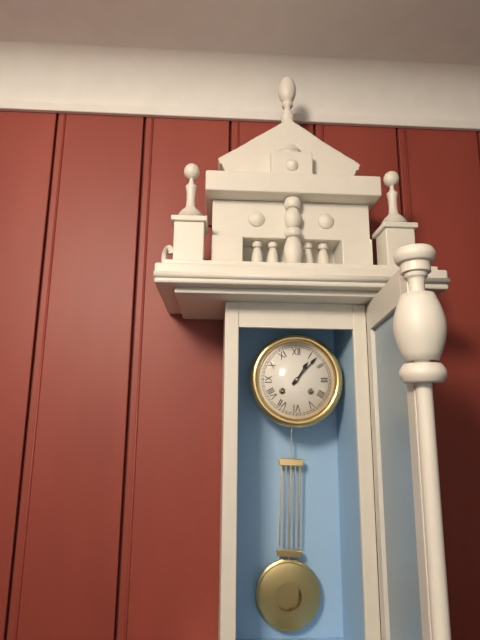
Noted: **1:07**
